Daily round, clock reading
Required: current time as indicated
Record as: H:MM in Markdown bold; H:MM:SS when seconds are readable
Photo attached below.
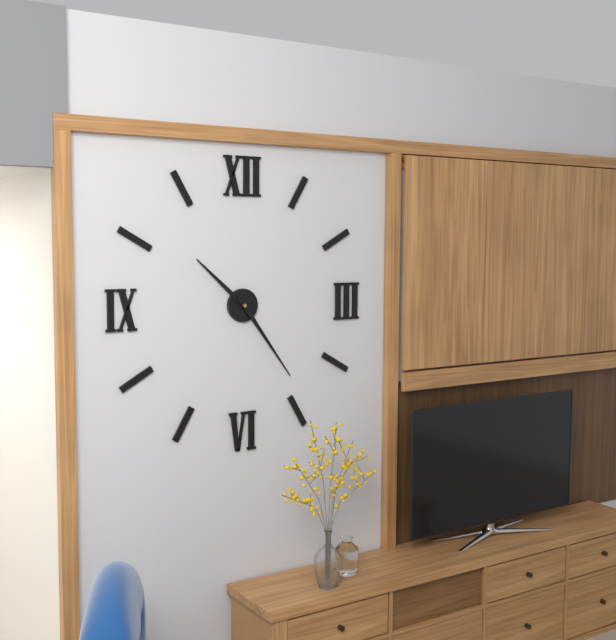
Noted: **10:24**
